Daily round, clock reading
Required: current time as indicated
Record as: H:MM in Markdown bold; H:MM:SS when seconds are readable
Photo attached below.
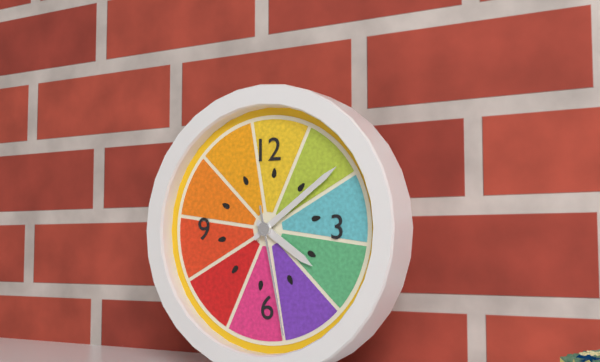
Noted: **4:09:28**
